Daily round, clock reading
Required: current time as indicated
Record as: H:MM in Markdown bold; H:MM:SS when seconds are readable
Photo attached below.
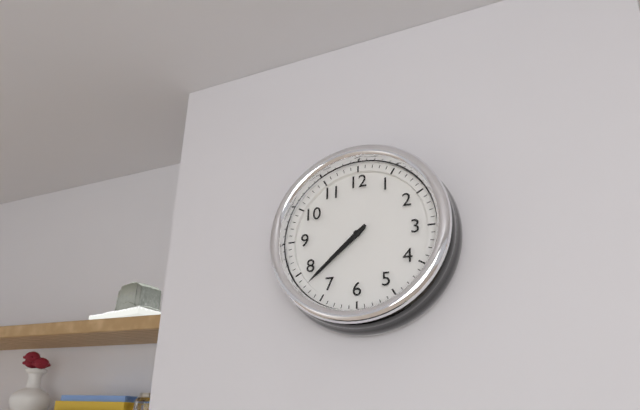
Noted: **7:38**
